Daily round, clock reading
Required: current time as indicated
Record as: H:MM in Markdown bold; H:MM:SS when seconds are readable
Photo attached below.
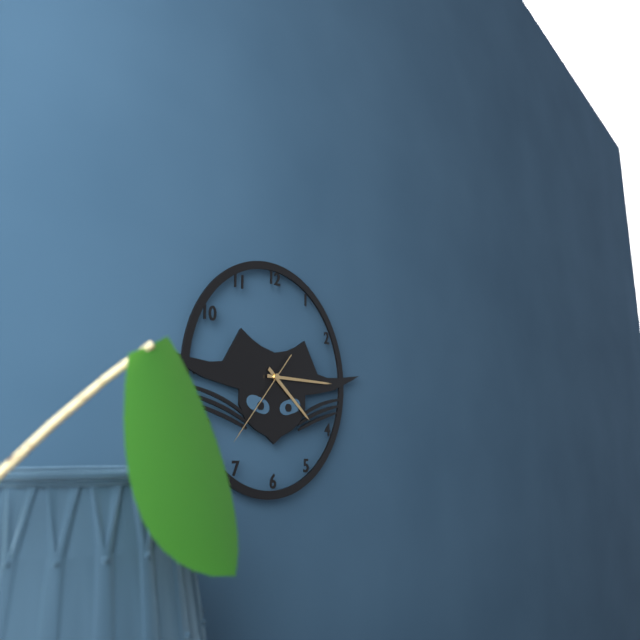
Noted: **4:15:37**
